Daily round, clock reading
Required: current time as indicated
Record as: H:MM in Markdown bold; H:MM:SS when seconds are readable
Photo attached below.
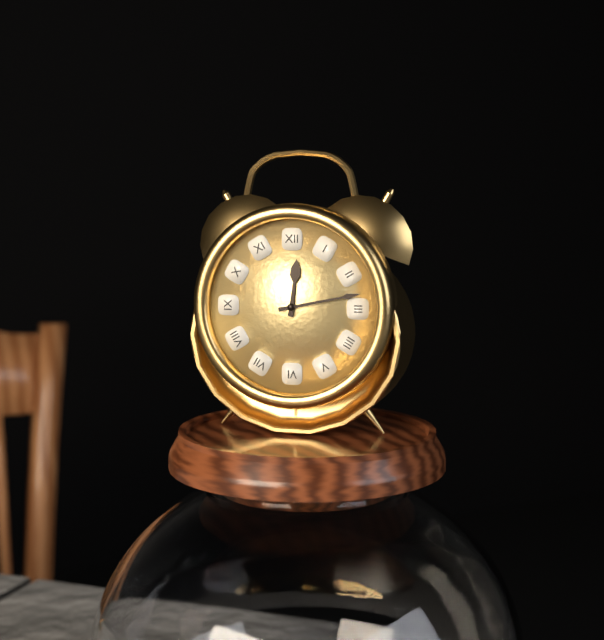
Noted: **12:13**
